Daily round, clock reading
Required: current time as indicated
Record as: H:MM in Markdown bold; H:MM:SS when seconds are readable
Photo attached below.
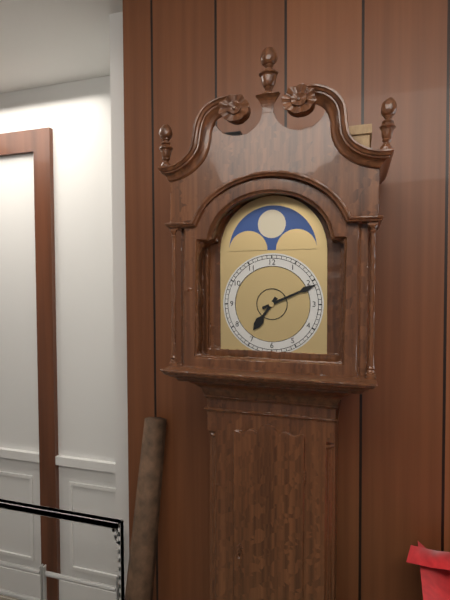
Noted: **7:11**
